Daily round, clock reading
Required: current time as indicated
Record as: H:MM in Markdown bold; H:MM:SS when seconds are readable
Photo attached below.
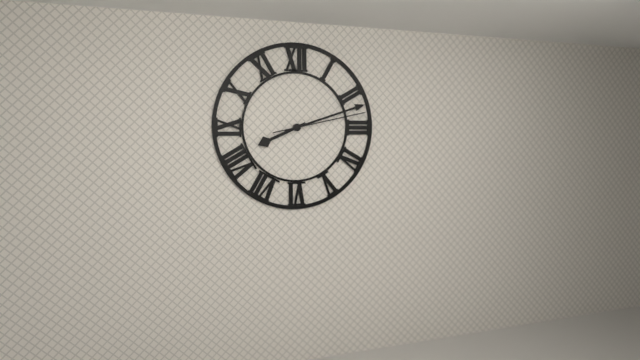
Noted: **8:12:13**
